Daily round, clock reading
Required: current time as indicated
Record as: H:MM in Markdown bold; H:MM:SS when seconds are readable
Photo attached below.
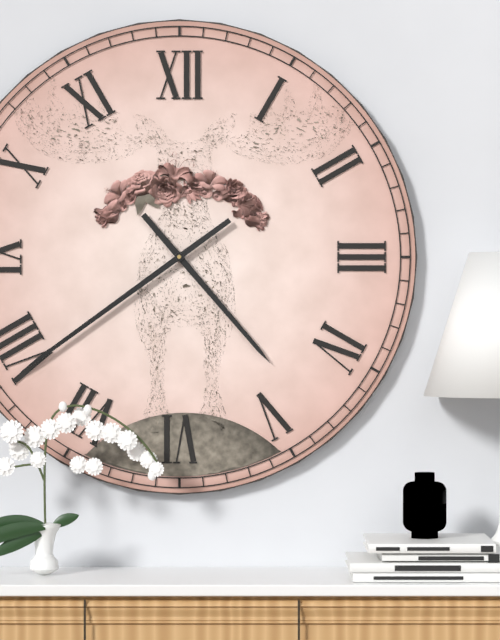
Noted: **4:39**
